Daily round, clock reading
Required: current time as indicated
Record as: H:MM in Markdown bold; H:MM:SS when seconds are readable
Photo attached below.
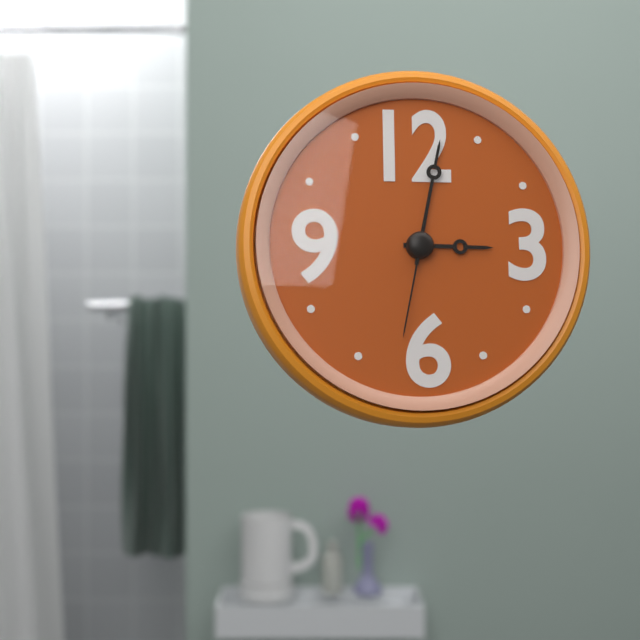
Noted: **3:02:32**
